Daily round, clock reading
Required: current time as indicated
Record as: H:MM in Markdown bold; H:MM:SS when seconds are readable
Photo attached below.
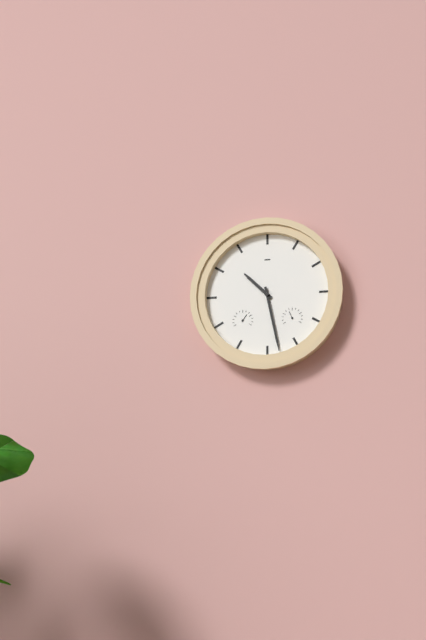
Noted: **10:28**
